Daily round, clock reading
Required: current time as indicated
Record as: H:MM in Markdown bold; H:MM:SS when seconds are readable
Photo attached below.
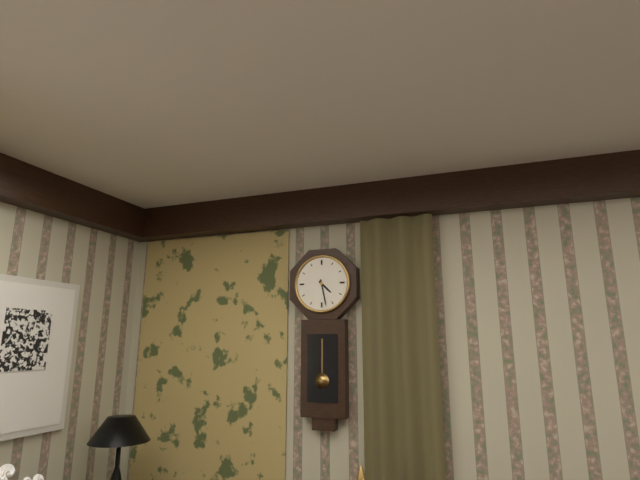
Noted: **4:28**
